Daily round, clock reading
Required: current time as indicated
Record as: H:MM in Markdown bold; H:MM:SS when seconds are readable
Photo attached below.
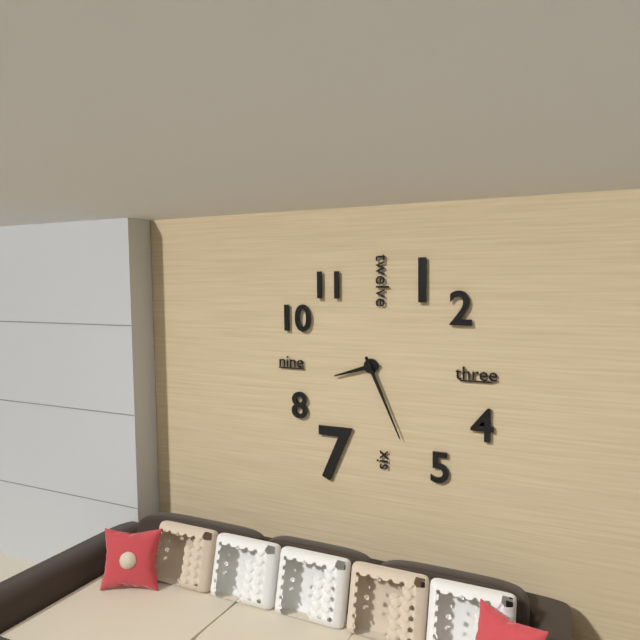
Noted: **8:26**
